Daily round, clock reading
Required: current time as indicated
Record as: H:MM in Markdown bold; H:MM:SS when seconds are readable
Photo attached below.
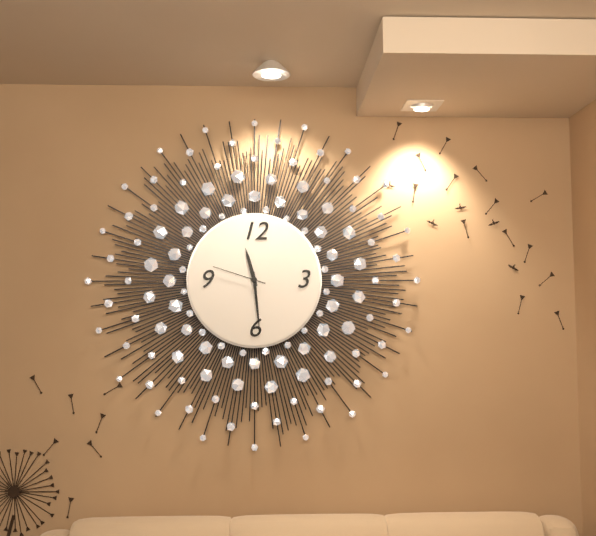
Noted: **11:29:48**
